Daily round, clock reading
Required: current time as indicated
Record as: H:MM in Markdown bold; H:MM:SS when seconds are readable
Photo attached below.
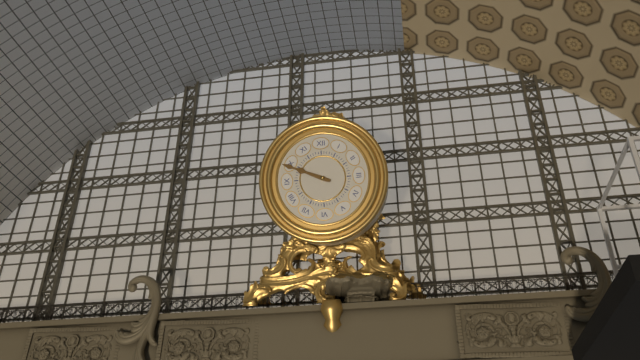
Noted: **9:49**
